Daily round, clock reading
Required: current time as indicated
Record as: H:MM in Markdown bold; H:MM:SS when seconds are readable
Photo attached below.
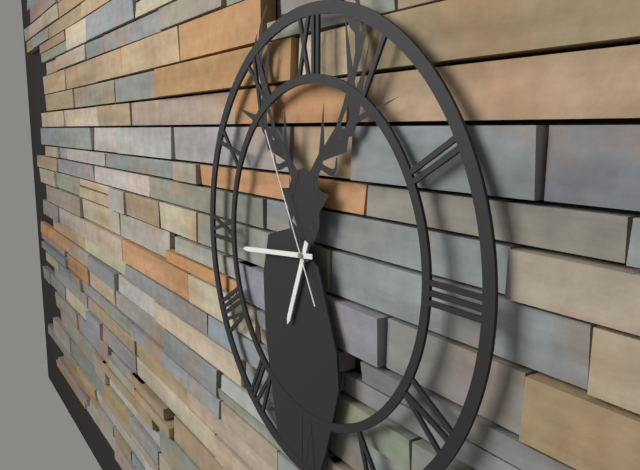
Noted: **6:44:55**
